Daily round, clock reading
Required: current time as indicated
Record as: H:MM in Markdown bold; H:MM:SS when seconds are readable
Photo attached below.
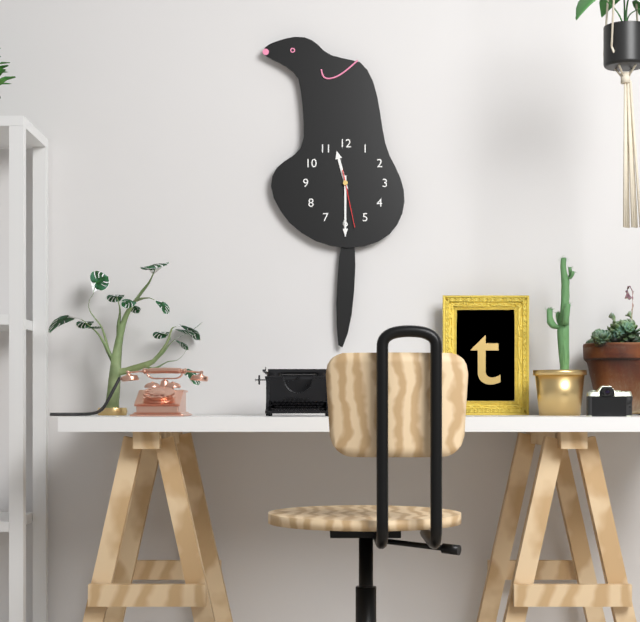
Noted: **11:30:28**
